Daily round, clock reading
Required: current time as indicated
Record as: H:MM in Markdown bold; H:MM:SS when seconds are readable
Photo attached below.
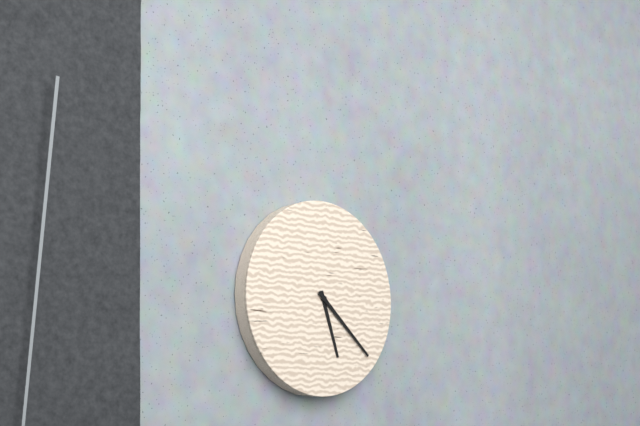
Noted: **5:22**
